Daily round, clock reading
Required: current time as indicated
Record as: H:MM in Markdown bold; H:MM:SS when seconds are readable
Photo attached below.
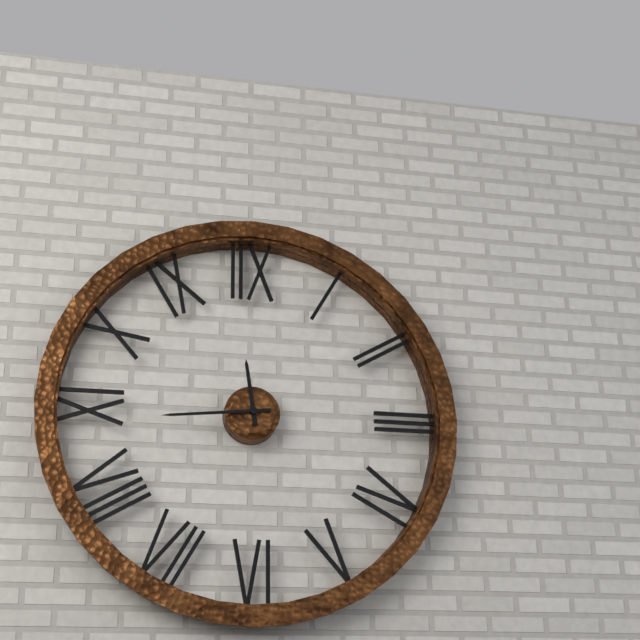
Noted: **11:44**
